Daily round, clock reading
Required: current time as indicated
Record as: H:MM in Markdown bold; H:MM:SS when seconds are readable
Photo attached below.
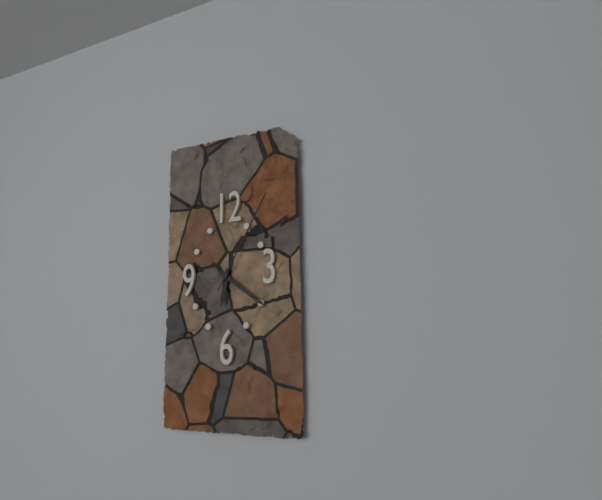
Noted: **6:21:05**
